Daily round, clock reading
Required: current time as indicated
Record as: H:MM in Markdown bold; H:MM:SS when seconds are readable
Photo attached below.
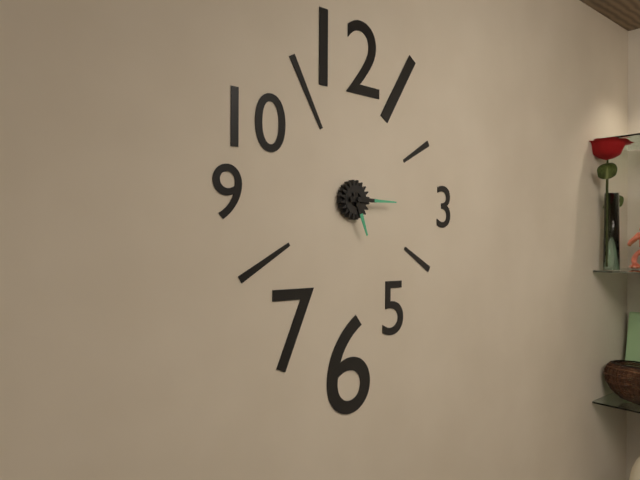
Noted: **5:15**
